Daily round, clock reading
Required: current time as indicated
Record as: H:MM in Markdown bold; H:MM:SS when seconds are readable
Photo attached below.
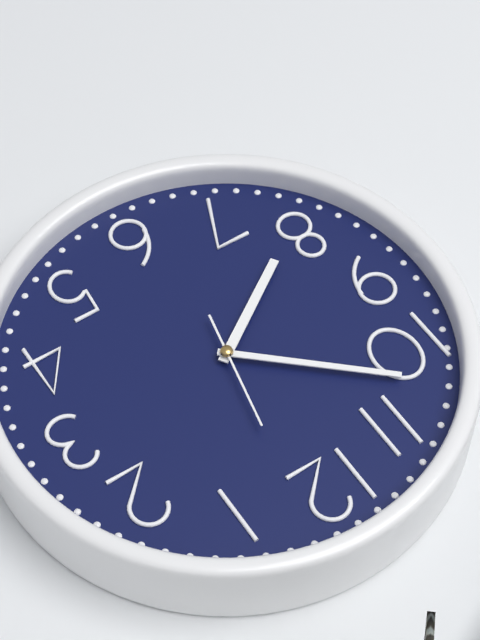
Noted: **7:52:02**
